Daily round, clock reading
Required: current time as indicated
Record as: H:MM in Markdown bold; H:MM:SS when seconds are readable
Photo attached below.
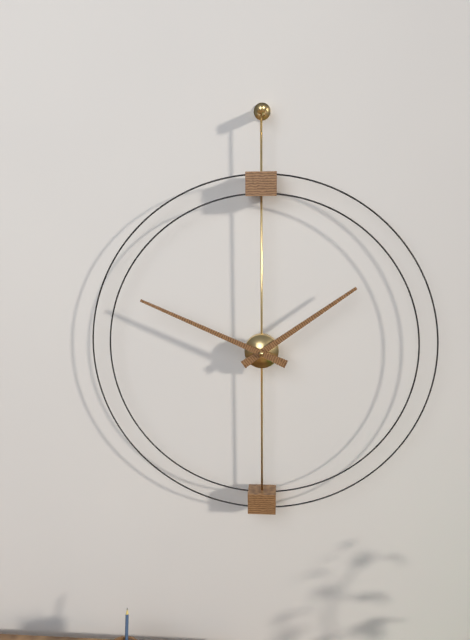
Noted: **1:49**
